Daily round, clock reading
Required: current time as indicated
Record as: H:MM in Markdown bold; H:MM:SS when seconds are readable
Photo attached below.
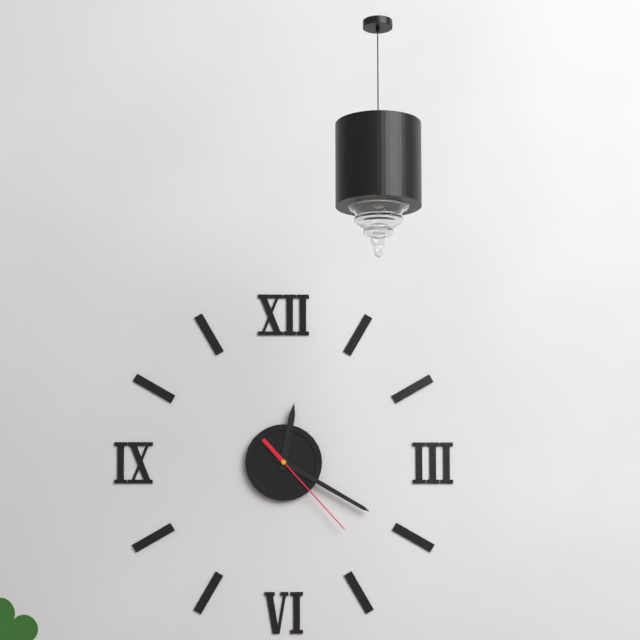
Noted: **12:20:23**
